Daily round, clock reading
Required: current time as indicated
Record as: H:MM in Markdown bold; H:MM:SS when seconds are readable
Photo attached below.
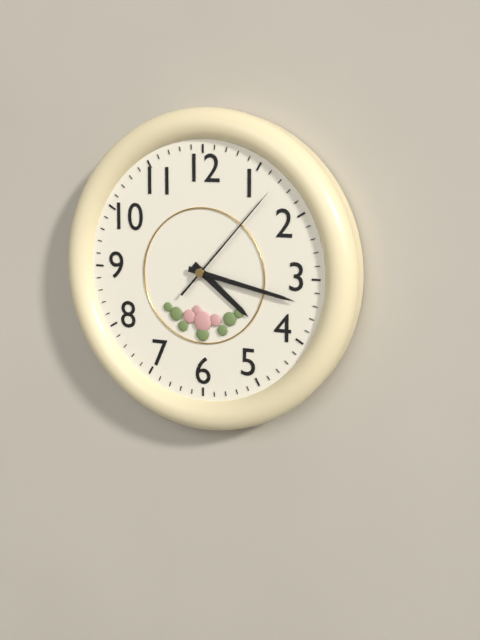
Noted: **4:17:07**
